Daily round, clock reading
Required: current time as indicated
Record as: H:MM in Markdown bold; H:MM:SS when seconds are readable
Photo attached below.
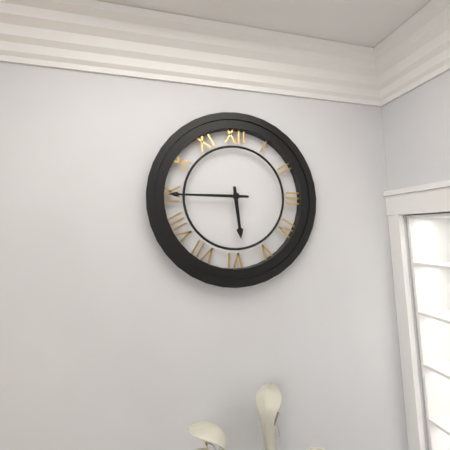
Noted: **5:45**
